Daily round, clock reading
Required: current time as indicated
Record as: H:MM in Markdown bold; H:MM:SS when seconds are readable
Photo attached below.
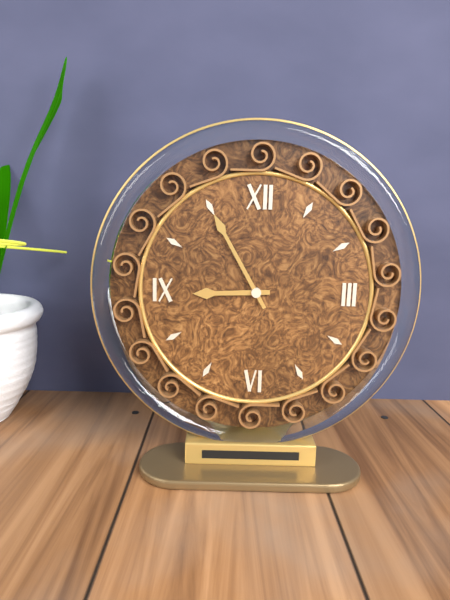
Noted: **8:55**
